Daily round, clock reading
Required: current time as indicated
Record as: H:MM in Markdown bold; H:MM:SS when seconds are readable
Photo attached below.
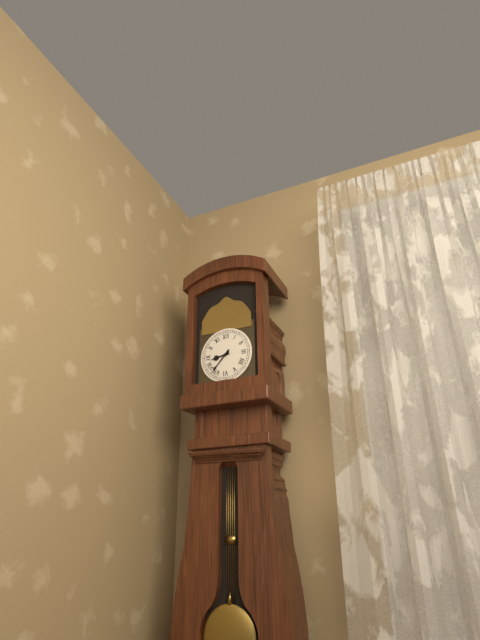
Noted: **8:37**
